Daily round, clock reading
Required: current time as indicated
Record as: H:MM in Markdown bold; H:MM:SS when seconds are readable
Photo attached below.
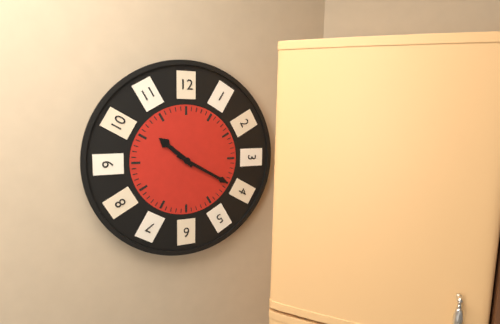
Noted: **10:20**
